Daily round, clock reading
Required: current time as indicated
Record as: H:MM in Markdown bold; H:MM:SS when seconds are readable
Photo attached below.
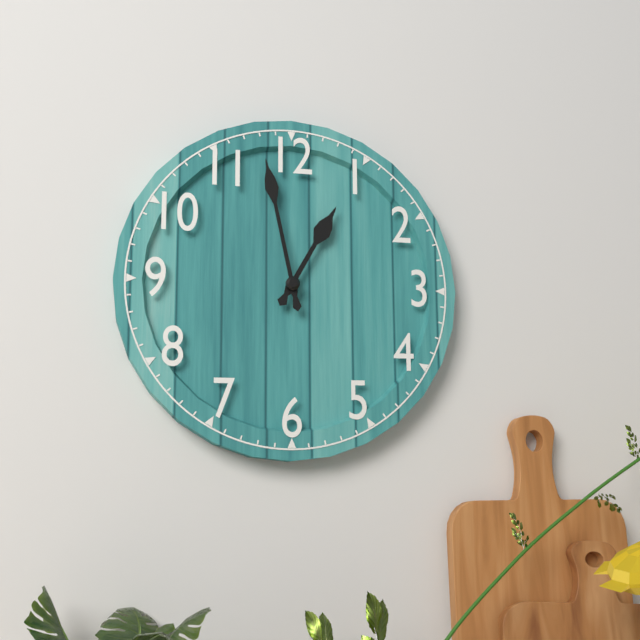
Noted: **12:58**
